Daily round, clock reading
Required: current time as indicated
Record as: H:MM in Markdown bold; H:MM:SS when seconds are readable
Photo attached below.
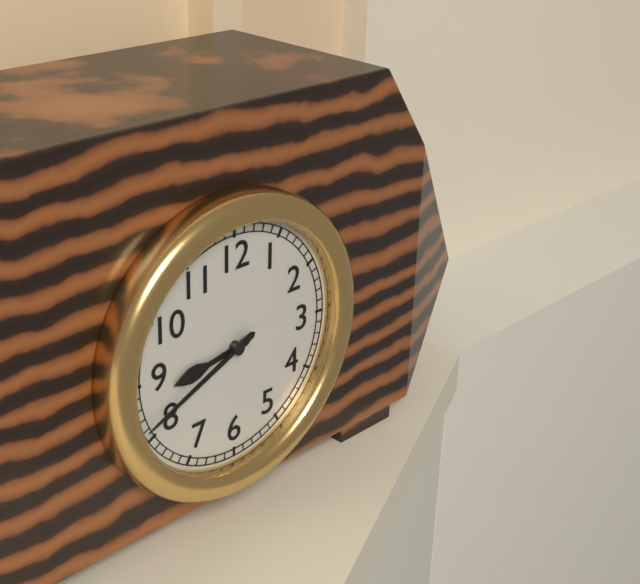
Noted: **8:41**
